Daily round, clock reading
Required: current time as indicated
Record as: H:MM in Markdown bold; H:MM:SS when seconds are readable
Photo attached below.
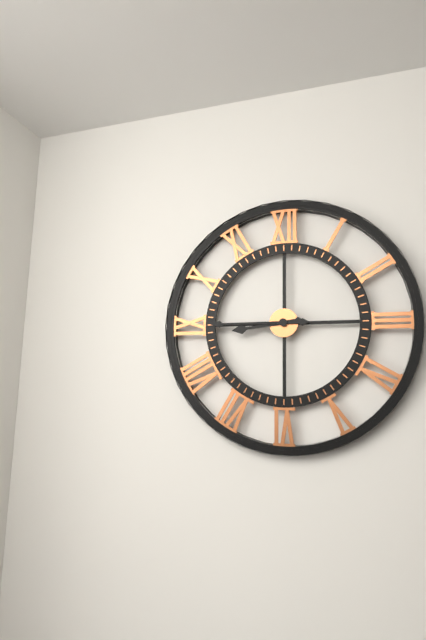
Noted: **8:45**
